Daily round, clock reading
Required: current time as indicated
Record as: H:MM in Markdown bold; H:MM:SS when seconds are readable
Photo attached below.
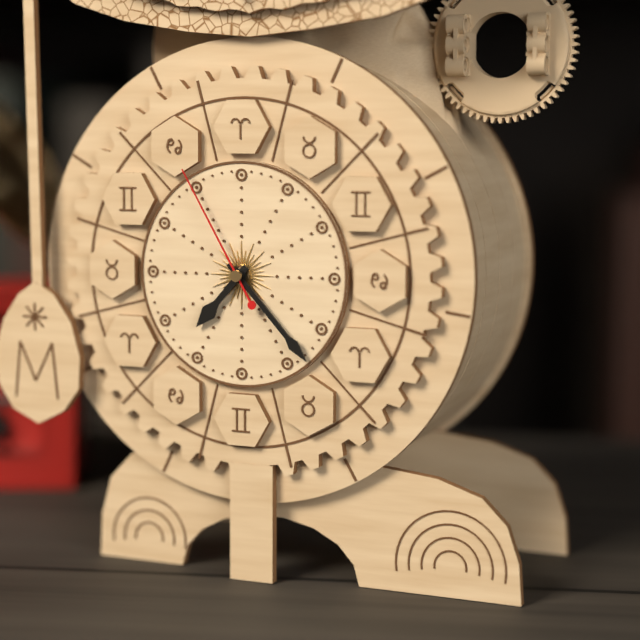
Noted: **7:23:55**
